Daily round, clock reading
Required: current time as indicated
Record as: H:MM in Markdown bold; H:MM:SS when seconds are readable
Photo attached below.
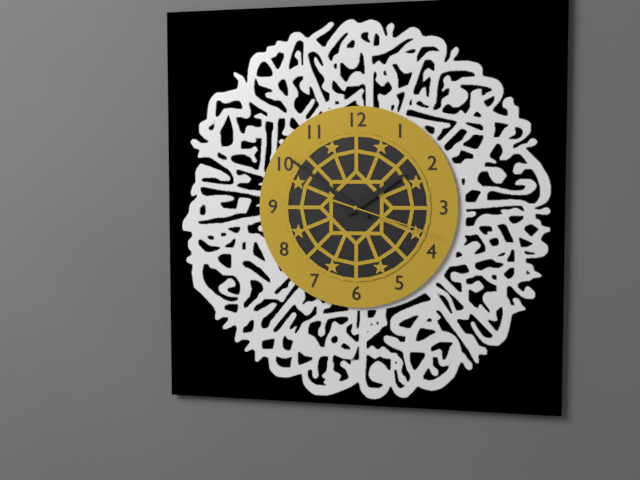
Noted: **1:51:18**
